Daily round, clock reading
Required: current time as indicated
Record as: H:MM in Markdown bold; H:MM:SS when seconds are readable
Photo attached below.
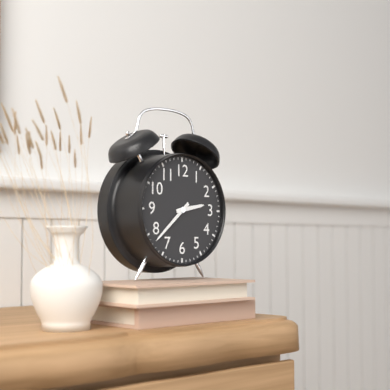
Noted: **2:38**
